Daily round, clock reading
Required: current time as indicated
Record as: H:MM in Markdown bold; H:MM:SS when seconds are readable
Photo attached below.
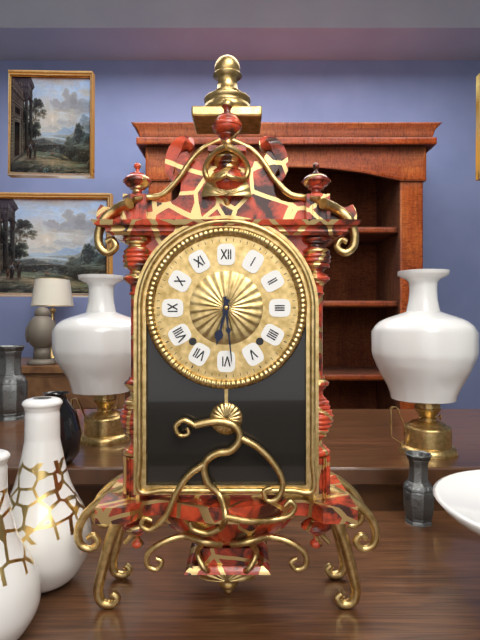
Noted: **6:29**
